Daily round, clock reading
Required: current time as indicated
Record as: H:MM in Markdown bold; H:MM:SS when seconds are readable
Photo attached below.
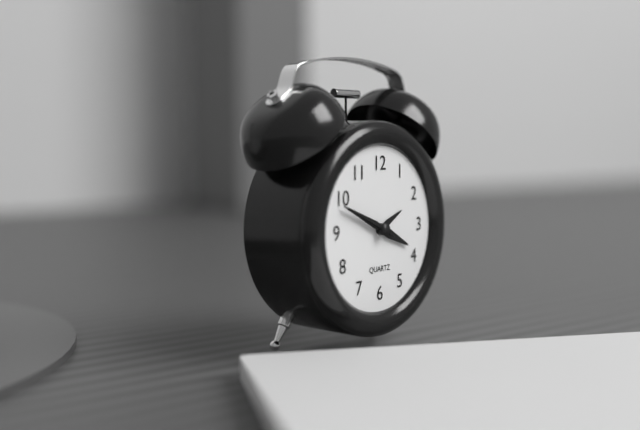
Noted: **3:49:49**
